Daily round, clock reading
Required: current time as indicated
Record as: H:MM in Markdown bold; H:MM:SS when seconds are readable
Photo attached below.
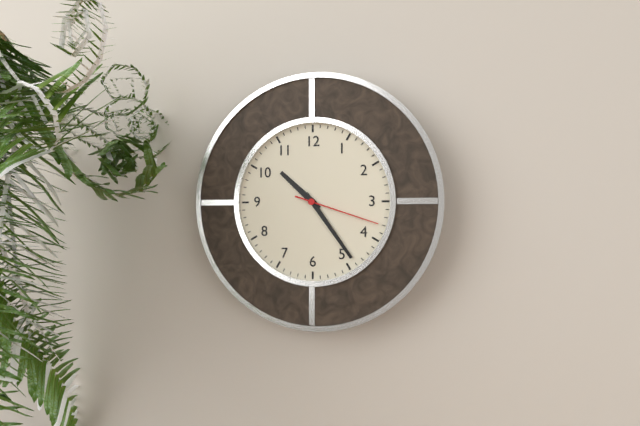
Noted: **10:24:18**
